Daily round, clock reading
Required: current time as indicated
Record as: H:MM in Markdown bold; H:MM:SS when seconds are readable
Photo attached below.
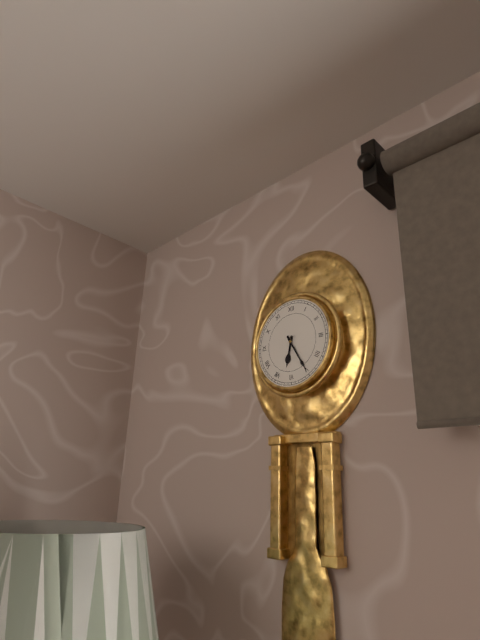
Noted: **6:25**
